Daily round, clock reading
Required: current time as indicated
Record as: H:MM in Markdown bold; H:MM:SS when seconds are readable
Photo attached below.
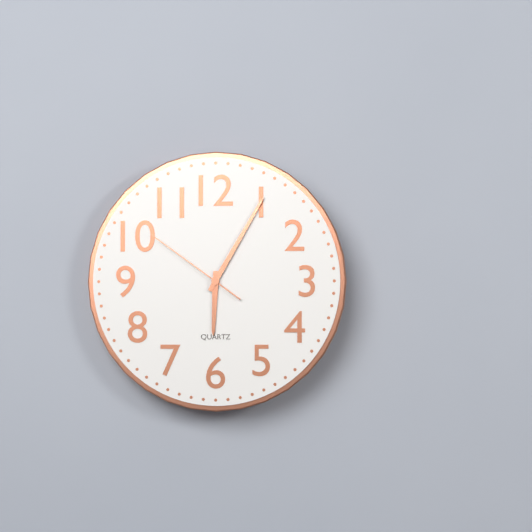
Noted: **6:05:51**
